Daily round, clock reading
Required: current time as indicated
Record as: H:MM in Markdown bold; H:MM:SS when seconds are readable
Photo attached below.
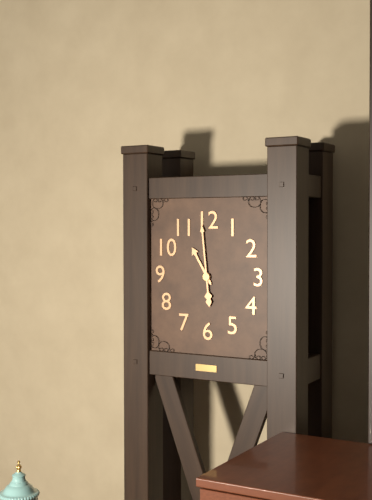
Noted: **10:59**
